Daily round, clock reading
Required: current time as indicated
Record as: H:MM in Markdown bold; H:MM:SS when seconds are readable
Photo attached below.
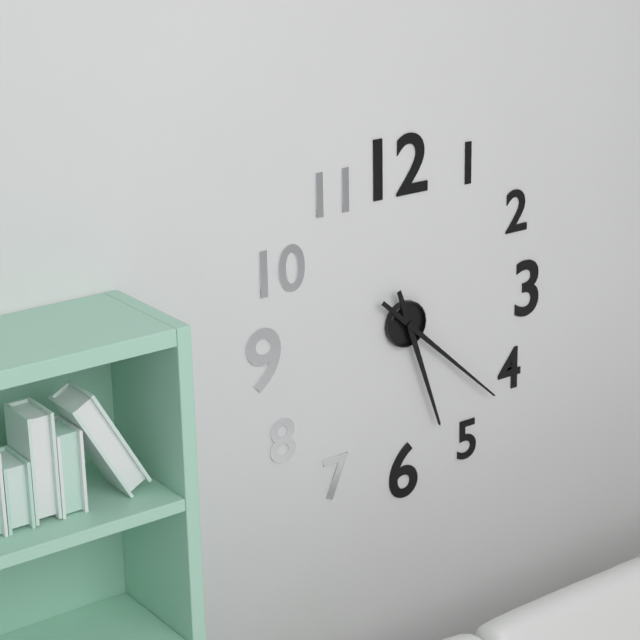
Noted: **5:22**
